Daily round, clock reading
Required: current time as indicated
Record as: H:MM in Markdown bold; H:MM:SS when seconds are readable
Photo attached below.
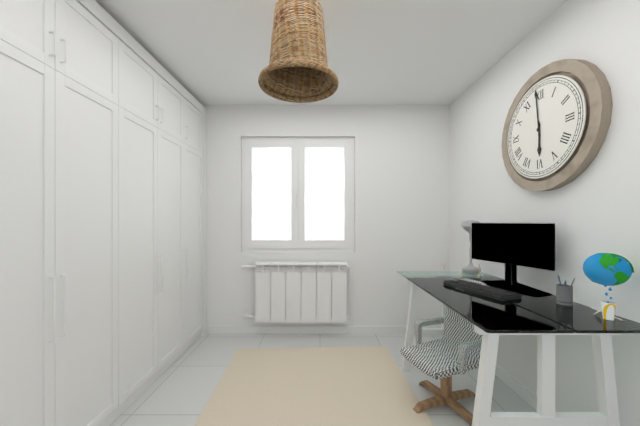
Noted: **5:59**
